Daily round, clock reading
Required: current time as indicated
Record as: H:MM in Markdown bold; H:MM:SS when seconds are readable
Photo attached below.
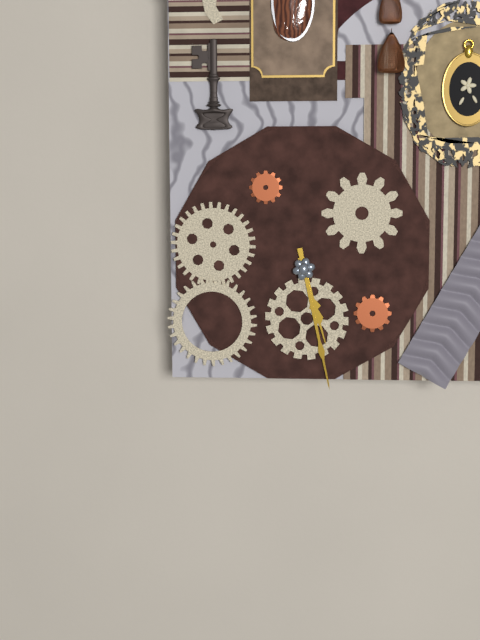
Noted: **5:28**
